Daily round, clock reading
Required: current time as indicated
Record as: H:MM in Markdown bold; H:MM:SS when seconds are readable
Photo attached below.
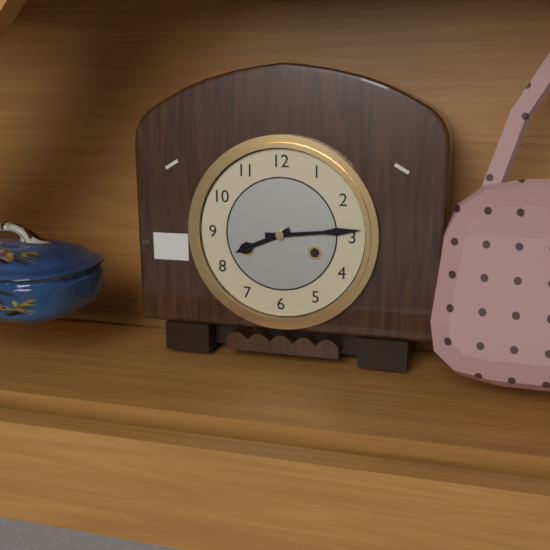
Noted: **8:14**
